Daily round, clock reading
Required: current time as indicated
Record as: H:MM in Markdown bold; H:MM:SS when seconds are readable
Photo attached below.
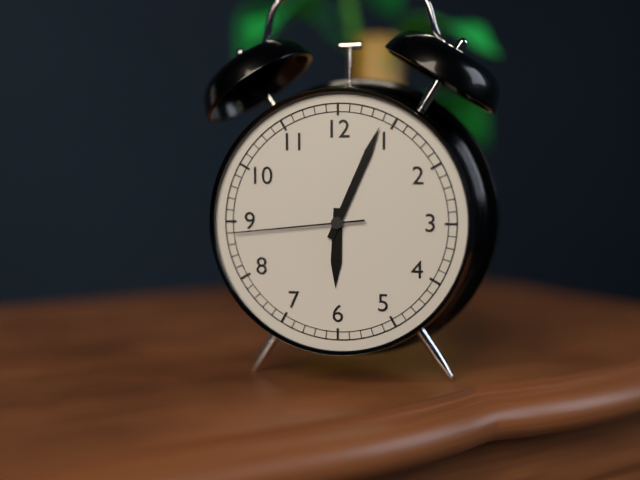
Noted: **6:04:44**
